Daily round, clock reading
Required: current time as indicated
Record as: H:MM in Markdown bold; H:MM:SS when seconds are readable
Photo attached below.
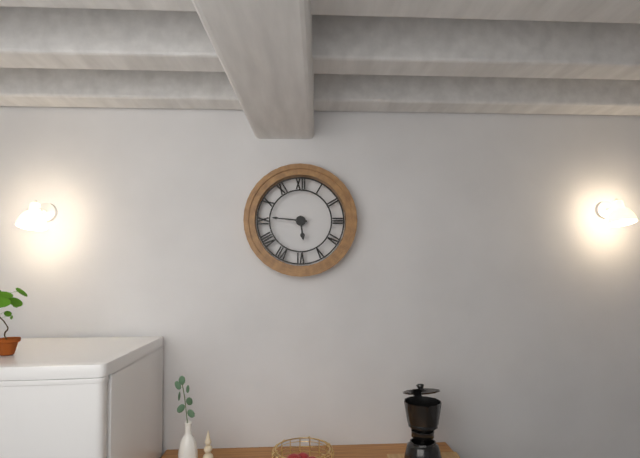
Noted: **5:46**
